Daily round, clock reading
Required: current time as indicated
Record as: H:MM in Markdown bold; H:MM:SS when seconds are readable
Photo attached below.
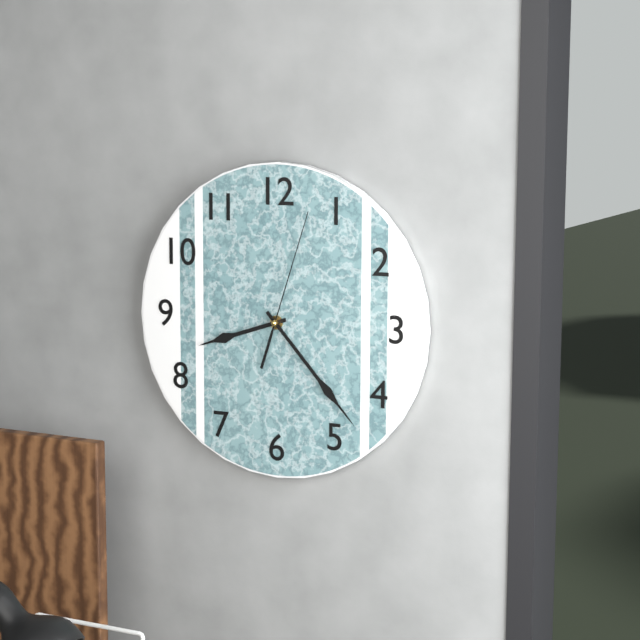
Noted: **8:23:03**
